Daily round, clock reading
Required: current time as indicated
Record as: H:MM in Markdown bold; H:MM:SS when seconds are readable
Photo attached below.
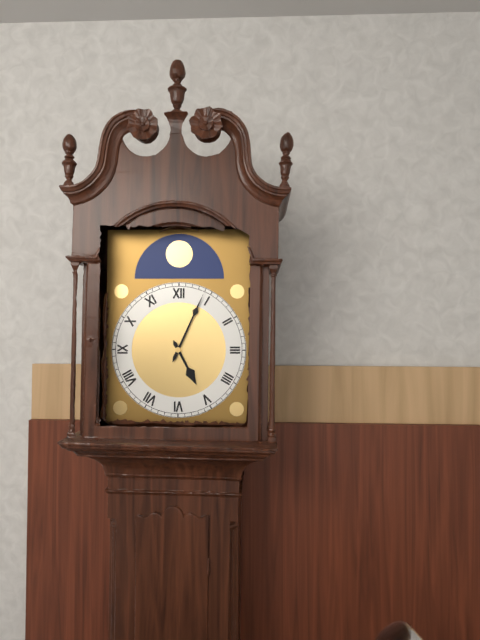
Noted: **5:04**
